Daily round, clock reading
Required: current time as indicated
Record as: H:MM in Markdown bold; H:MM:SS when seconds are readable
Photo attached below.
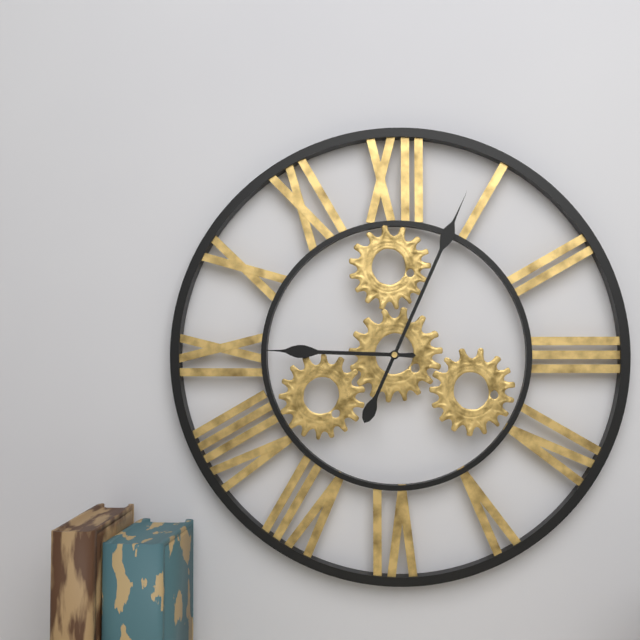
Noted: **9:04**
